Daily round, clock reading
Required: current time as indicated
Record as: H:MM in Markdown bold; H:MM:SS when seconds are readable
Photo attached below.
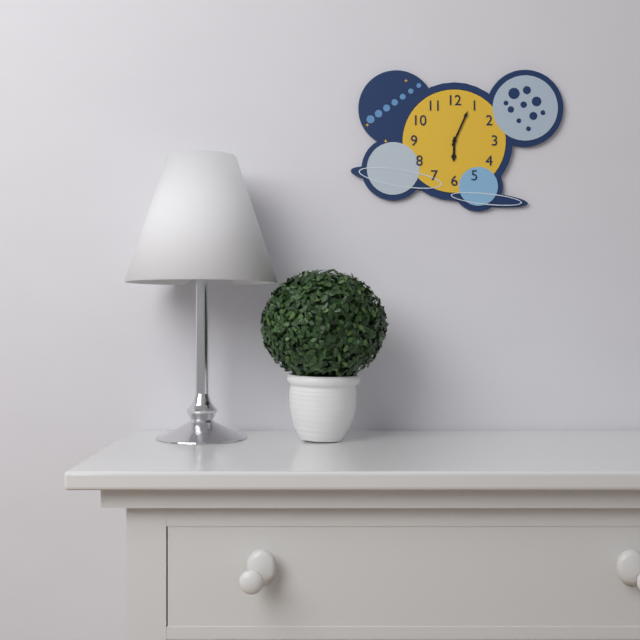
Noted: **6:04**
